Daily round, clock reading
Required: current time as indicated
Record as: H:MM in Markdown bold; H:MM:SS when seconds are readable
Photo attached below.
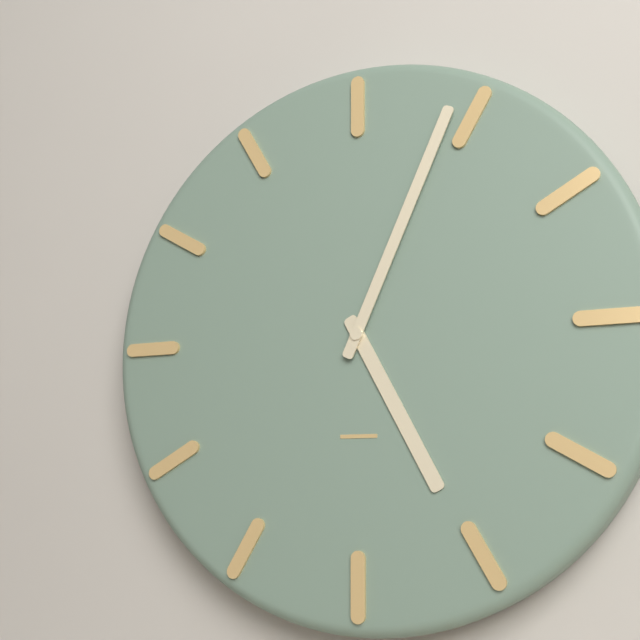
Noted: **5:04**
